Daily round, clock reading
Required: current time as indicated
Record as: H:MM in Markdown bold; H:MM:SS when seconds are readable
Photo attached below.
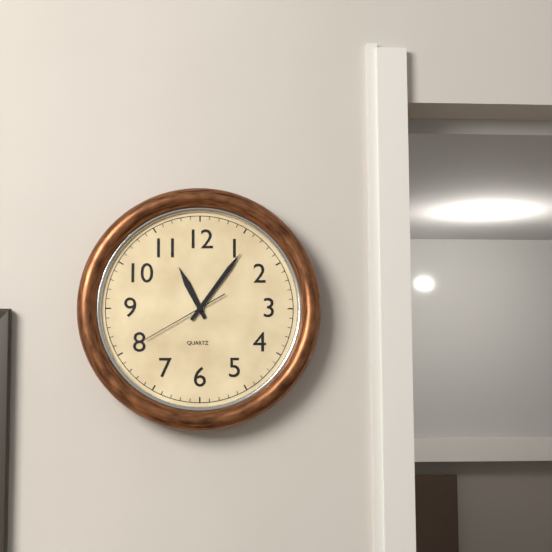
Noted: **11:06:40**
